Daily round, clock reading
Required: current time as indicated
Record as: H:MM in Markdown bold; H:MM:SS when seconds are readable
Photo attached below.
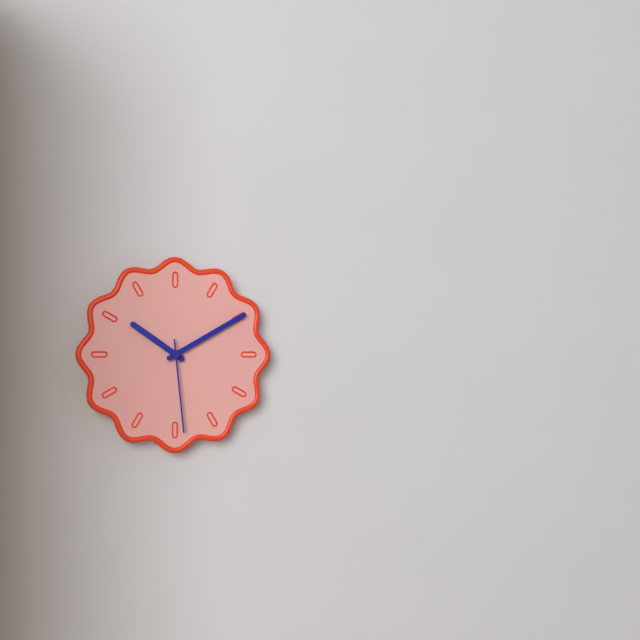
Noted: **10:10:29**
